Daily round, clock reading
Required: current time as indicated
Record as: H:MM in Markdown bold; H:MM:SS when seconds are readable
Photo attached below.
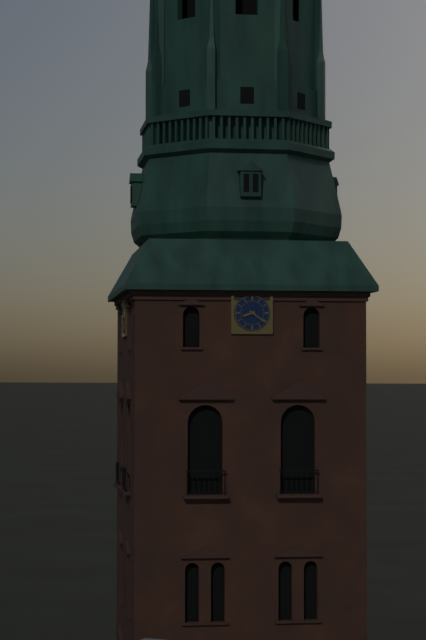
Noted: **8:21**
